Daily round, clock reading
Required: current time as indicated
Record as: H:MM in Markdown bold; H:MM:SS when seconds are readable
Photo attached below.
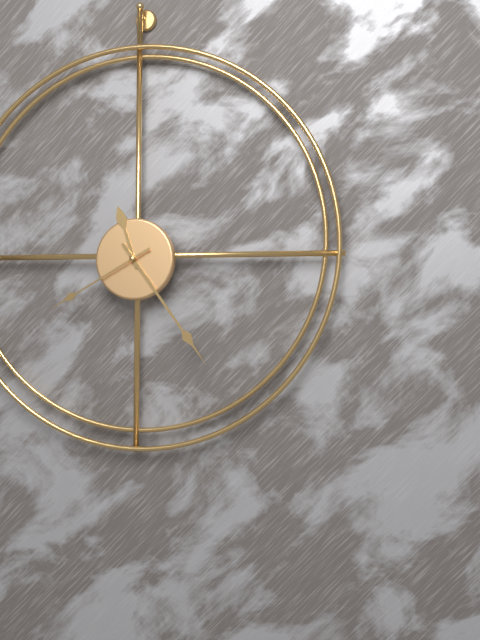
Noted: **11:24:40**
